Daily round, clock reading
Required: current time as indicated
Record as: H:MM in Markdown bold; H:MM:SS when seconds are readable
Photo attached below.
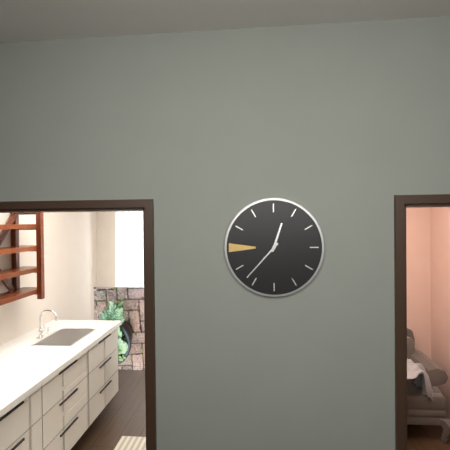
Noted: **12:37**
